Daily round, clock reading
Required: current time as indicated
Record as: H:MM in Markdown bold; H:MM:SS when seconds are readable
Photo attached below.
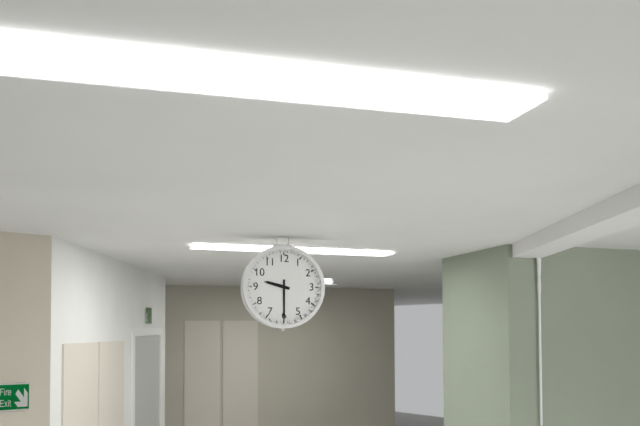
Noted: **9:30**
